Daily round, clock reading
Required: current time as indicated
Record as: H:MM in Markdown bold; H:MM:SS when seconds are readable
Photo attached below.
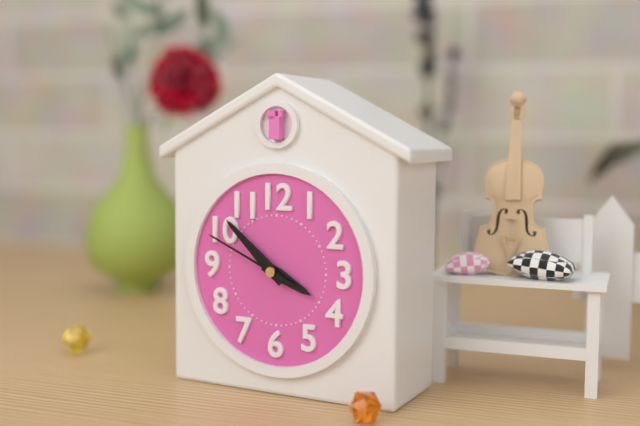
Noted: **3:52:49**
